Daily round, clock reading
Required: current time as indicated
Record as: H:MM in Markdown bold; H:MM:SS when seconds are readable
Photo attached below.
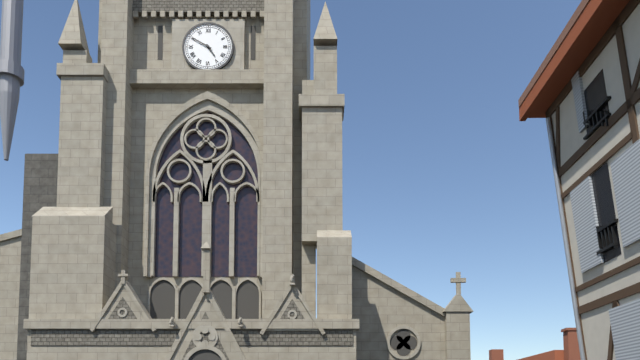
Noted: **4:50**
